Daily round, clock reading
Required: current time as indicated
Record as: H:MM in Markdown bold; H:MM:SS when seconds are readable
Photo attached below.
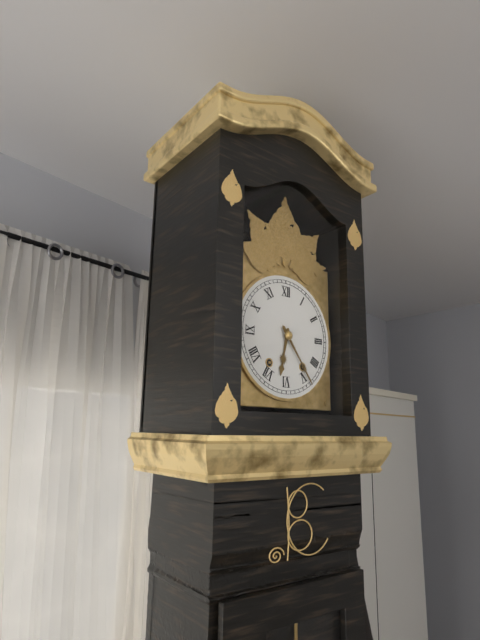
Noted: **6:24**
